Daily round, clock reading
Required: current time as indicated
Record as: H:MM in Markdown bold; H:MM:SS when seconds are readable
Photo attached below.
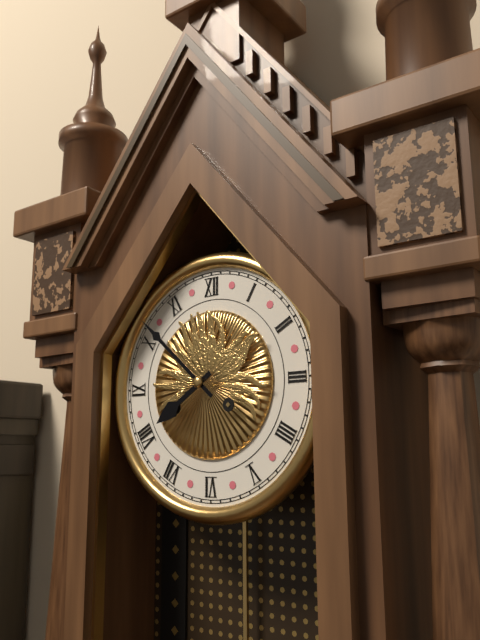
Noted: **7:52**
